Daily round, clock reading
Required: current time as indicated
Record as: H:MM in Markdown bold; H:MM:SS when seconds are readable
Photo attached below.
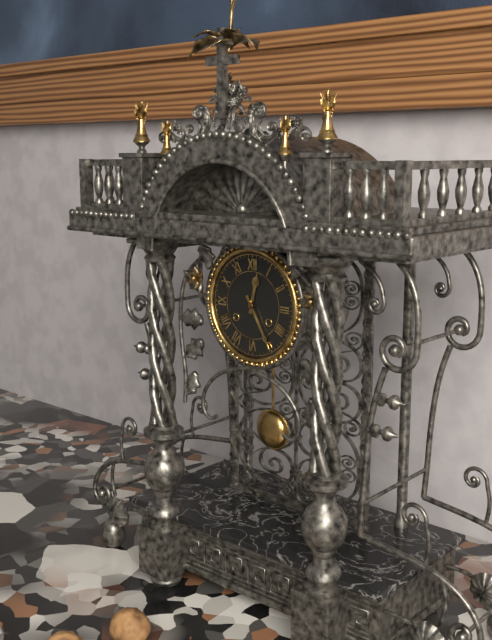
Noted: **12:25**
